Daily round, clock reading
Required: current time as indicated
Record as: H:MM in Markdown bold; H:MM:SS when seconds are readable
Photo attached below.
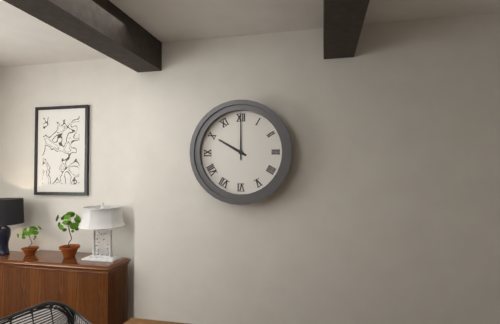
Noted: **10:00**
